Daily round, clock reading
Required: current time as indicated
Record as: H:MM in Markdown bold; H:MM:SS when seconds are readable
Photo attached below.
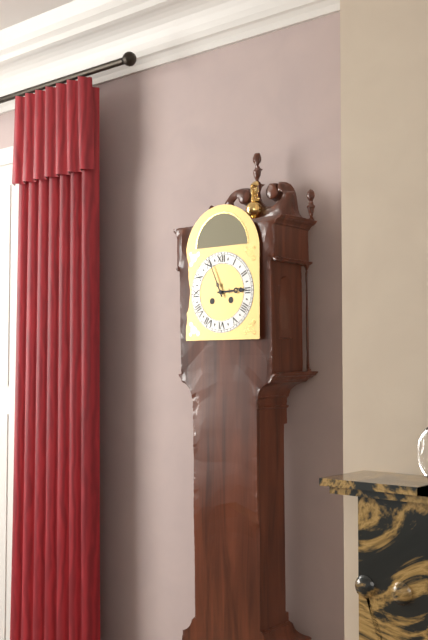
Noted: **2:56**
